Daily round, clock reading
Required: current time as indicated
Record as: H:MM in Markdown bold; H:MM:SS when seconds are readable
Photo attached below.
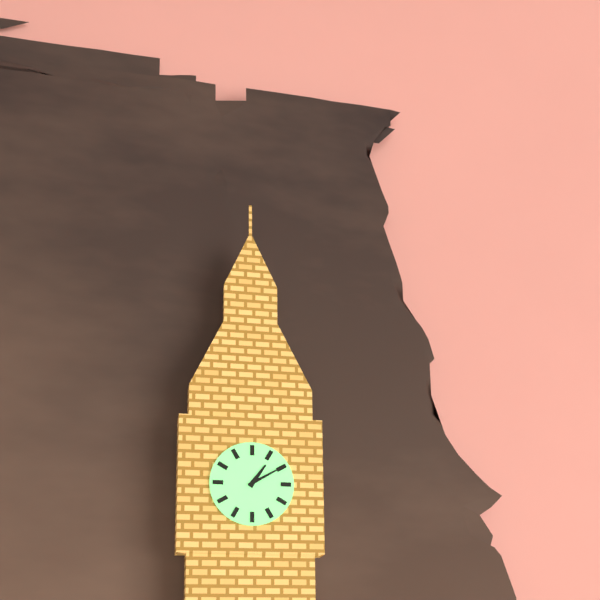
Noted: **1:10**
